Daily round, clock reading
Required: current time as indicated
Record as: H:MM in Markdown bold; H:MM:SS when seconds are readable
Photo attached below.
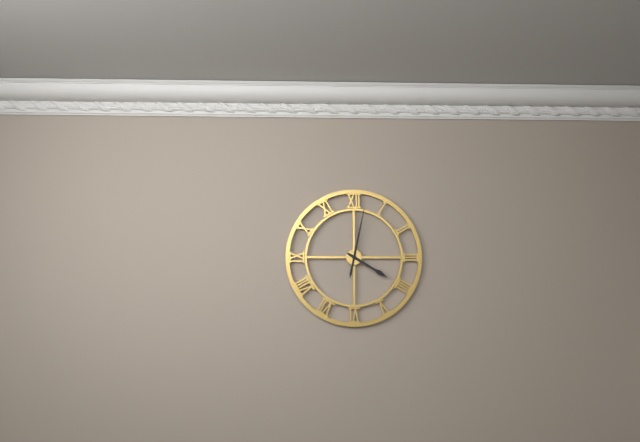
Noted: **4:02**
